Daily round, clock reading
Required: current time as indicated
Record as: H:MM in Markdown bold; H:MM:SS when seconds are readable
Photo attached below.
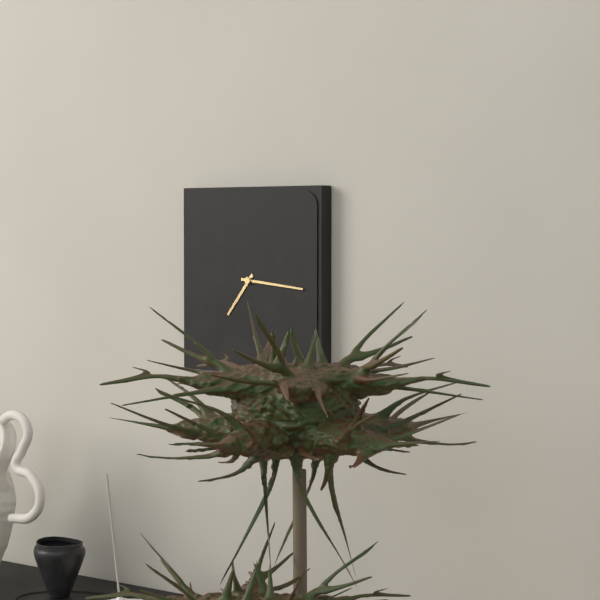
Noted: **7:16**
